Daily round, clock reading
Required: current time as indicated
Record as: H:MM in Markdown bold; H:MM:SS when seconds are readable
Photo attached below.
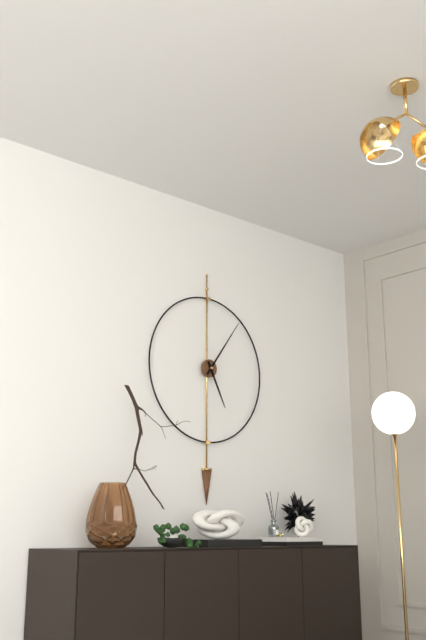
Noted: **5:06**
